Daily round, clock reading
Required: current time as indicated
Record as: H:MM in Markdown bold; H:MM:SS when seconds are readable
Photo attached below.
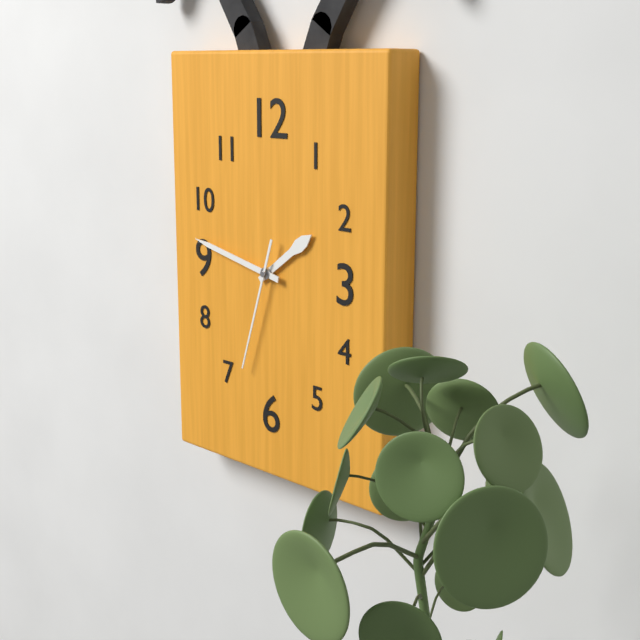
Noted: **1:47:33**
